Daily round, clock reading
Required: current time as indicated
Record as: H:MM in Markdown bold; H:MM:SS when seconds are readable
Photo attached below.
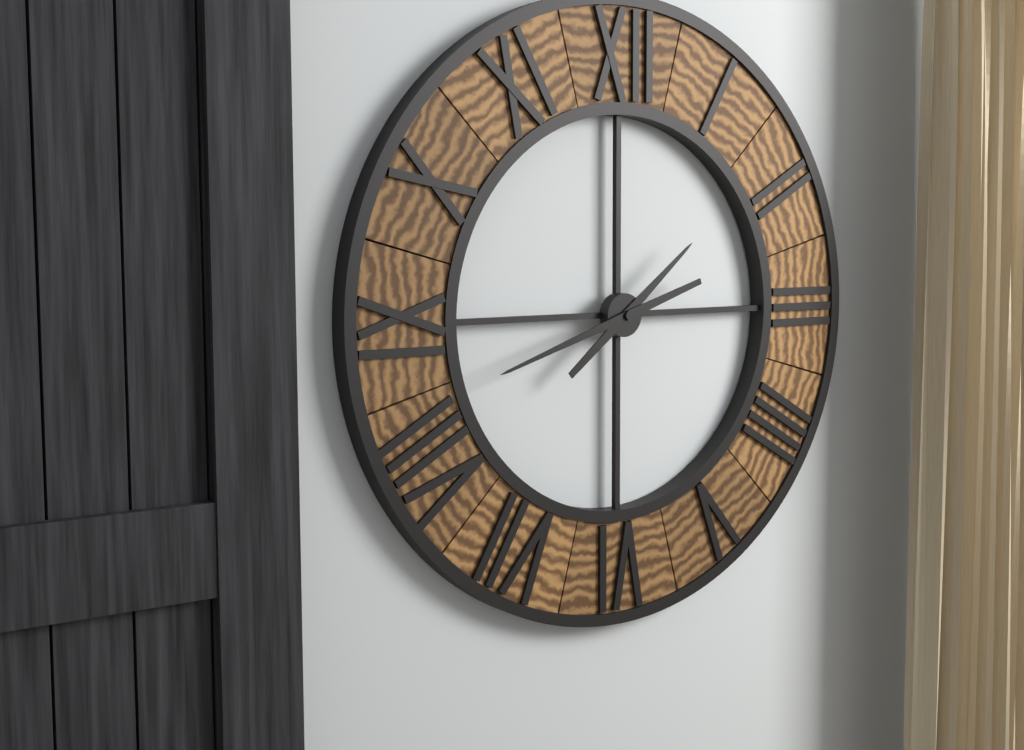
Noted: **1:42**
